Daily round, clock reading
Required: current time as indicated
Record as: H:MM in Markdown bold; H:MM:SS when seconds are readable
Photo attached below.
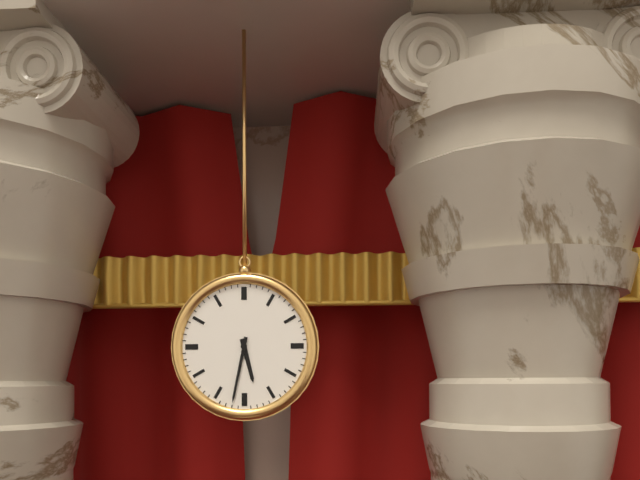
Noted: **5:32**
